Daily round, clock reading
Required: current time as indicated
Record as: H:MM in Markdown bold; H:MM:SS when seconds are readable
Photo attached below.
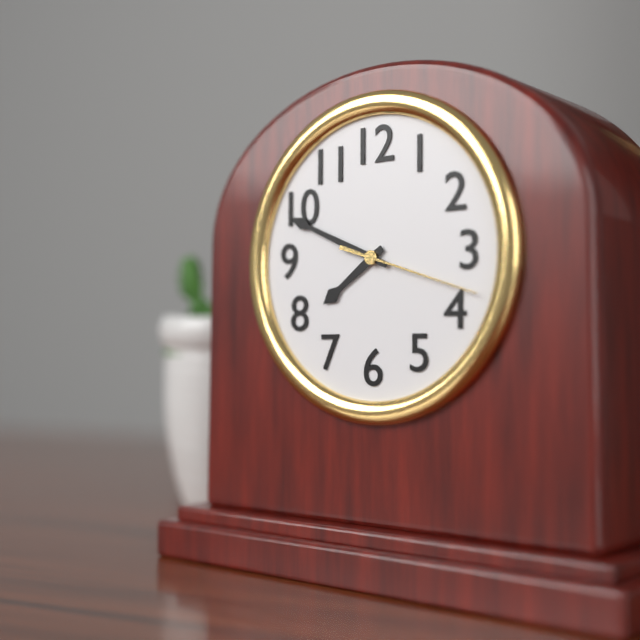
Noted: **7:49:18**
